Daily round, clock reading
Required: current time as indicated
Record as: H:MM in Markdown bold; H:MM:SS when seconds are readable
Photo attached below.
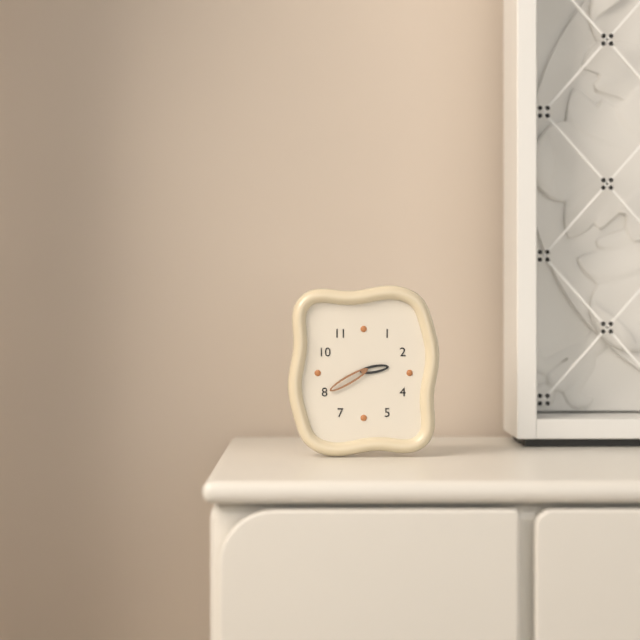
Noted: **2:40**
